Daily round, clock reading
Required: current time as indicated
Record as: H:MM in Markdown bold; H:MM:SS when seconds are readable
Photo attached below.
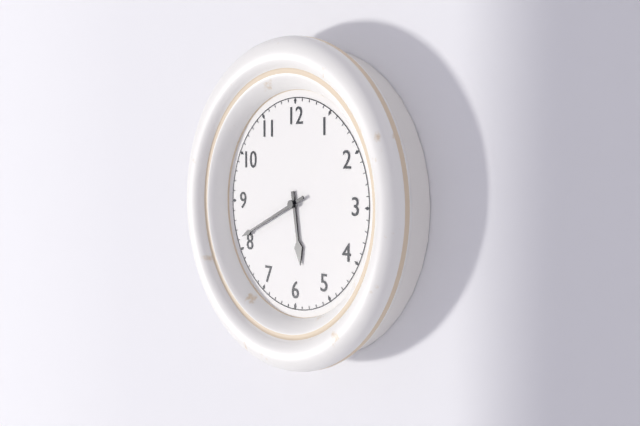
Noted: **5:41**
